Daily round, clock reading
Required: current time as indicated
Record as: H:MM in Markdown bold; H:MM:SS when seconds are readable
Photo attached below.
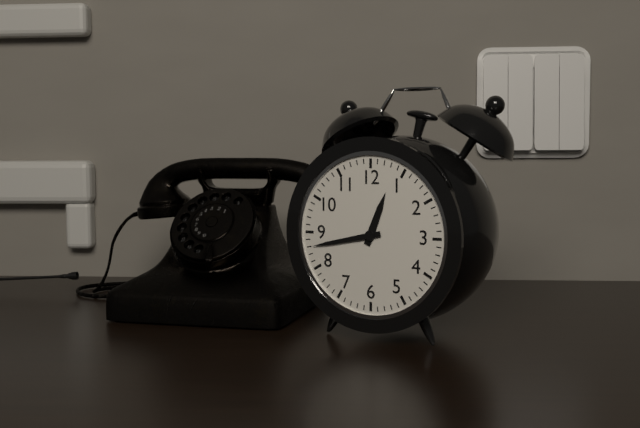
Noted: **12:43**
